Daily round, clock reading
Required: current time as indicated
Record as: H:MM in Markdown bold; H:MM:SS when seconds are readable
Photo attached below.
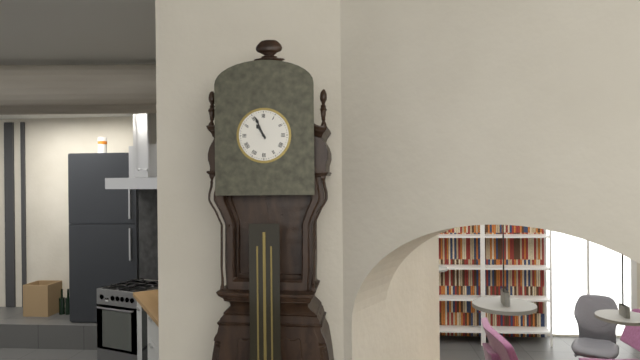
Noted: **10:56**
